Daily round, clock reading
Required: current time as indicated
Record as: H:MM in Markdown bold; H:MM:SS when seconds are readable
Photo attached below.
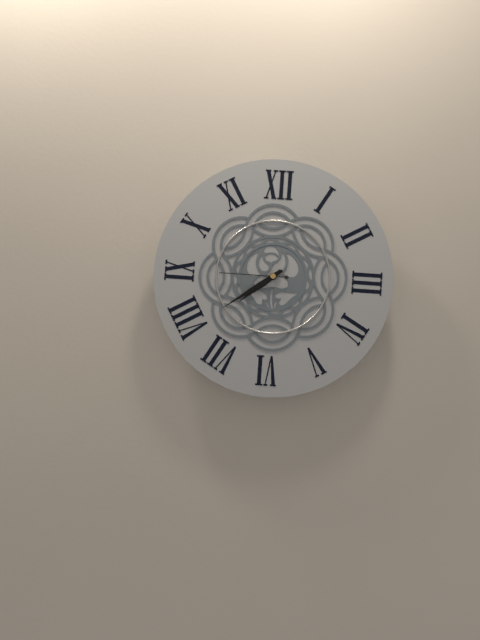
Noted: **7:39:45**
